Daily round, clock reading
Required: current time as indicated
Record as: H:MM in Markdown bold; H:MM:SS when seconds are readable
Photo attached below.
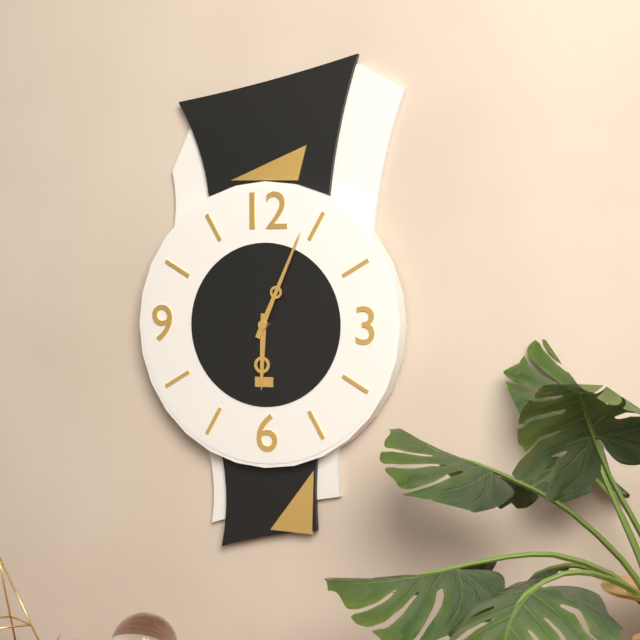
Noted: **6:04**
